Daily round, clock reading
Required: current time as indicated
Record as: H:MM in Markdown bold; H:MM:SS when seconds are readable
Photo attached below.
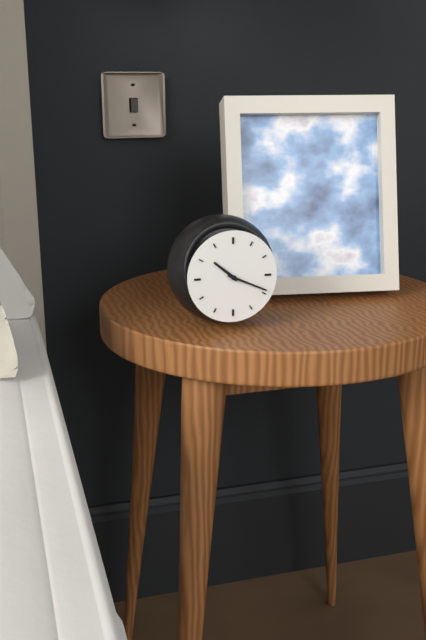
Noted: **10:19**
